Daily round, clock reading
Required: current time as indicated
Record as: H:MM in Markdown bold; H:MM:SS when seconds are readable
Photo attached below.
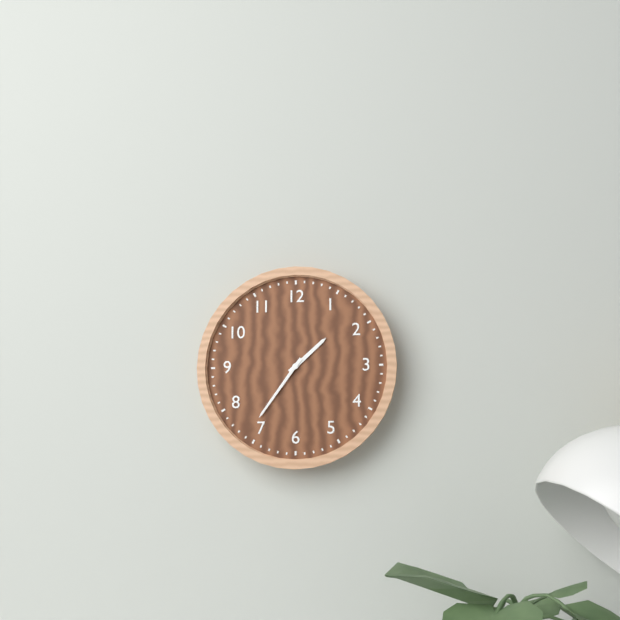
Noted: **1:36**
